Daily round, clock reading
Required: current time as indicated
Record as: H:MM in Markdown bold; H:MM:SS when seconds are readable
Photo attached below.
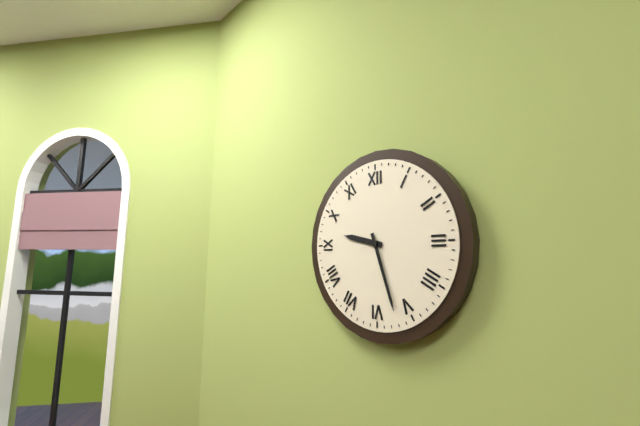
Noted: **9:27**
